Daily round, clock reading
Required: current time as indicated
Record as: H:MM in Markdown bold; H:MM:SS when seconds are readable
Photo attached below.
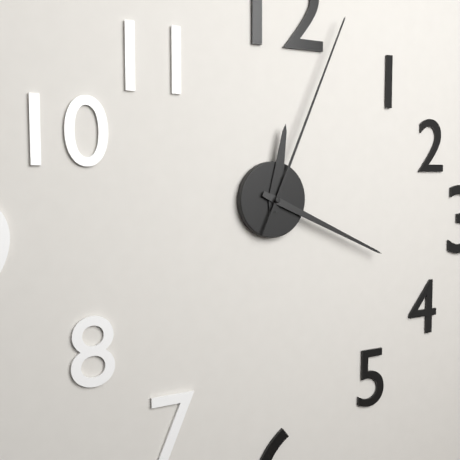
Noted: **12:19:04**
